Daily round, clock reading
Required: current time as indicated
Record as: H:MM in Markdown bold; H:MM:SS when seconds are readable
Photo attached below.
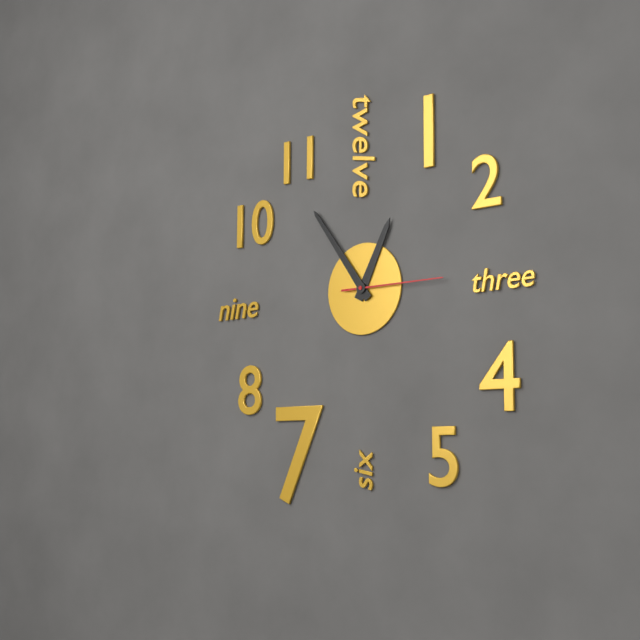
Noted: **12:54:15**
